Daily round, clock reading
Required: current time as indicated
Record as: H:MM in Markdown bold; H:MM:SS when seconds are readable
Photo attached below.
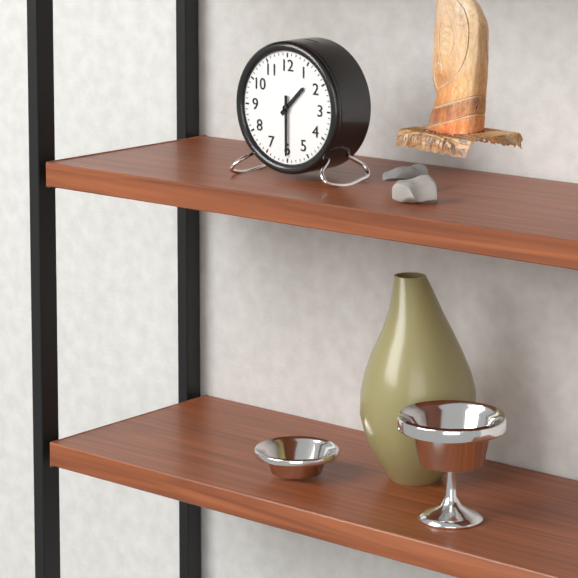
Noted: **1:30**
